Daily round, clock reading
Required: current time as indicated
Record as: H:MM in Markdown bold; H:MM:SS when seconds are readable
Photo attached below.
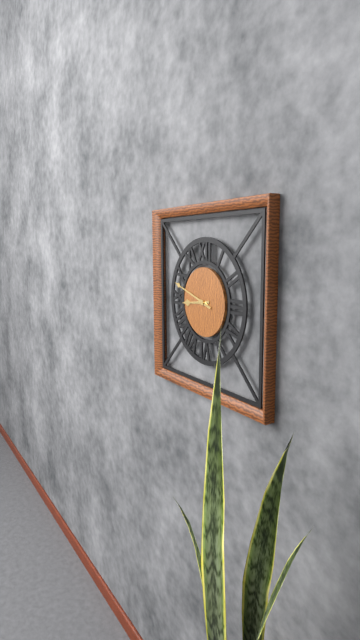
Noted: **8:48**
